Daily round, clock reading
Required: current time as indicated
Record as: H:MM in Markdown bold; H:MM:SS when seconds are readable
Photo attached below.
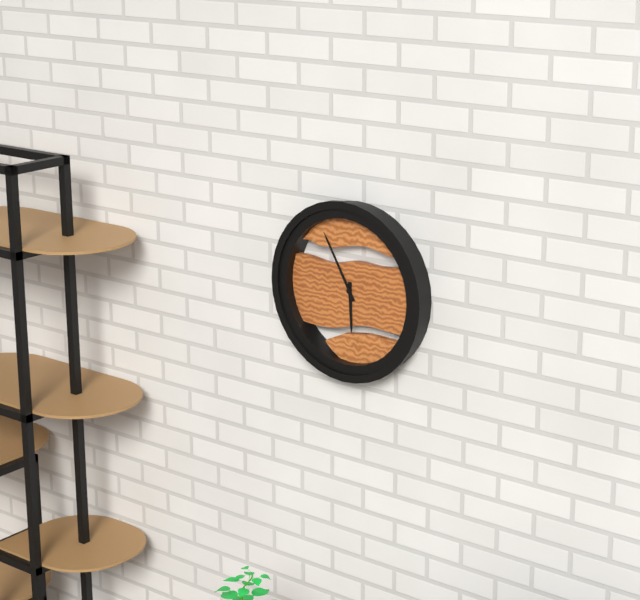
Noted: **5:55**
